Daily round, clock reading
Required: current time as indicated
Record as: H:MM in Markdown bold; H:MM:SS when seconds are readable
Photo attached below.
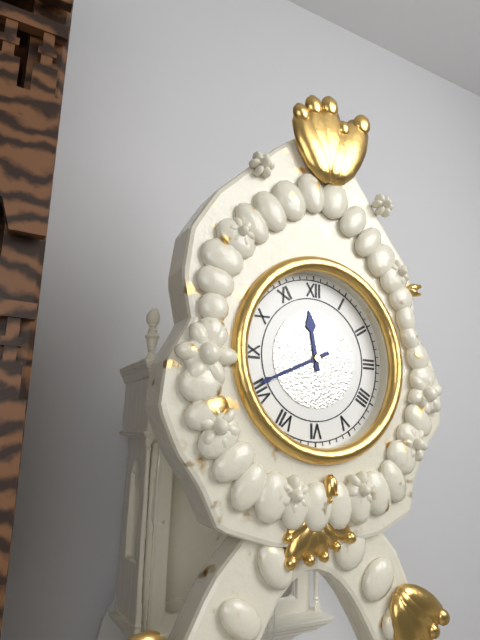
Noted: **11:41**
